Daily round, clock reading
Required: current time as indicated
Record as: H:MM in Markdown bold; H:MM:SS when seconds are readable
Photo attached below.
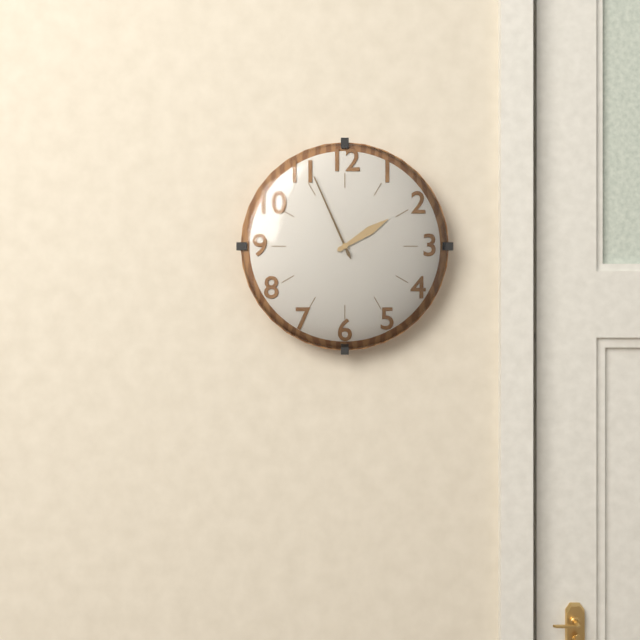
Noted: **1:56**
